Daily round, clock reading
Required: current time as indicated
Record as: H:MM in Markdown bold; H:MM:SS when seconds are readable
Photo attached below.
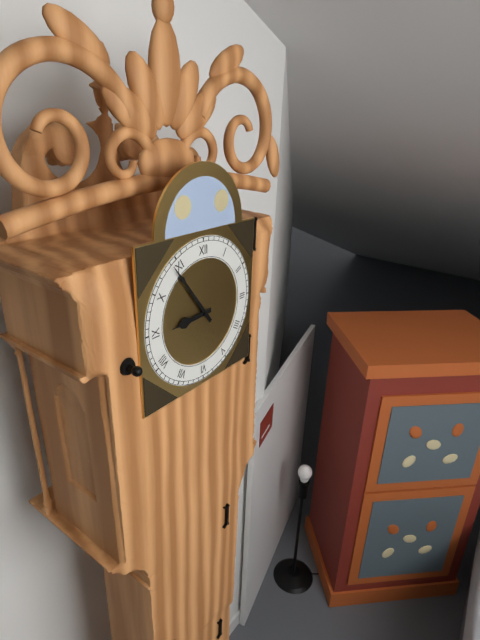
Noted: **8:54**
